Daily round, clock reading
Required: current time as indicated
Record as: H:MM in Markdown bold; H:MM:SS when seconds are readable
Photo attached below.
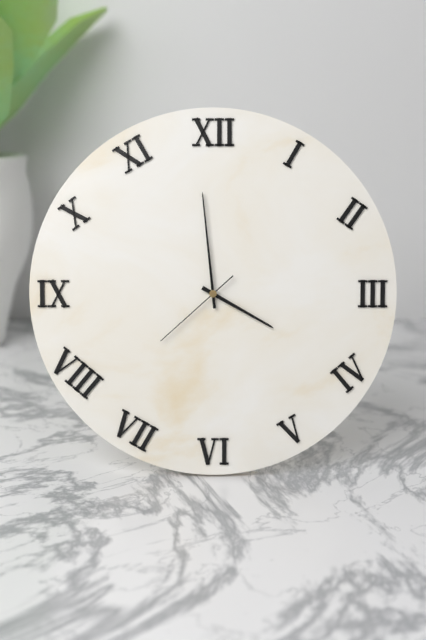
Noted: **3:59:38**
